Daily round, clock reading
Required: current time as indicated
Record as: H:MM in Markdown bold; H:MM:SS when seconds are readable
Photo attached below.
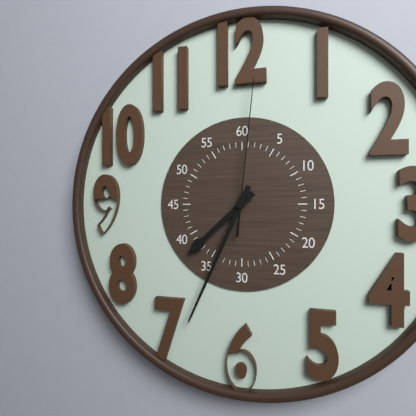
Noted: **7:34:01**
